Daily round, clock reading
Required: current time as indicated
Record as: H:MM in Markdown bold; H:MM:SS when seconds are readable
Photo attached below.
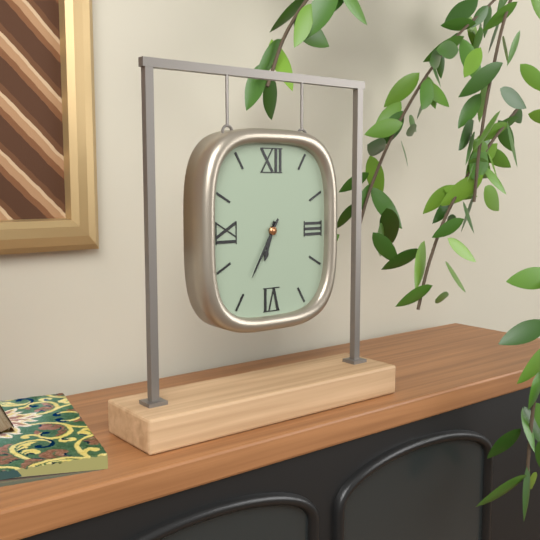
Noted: **6:35**
